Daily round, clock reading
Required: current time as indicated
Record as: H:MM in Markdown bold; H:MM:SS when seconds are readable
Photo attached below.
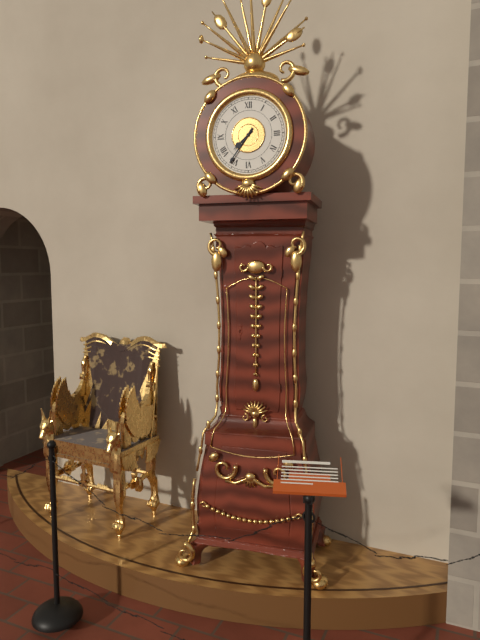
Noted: **7:36**
